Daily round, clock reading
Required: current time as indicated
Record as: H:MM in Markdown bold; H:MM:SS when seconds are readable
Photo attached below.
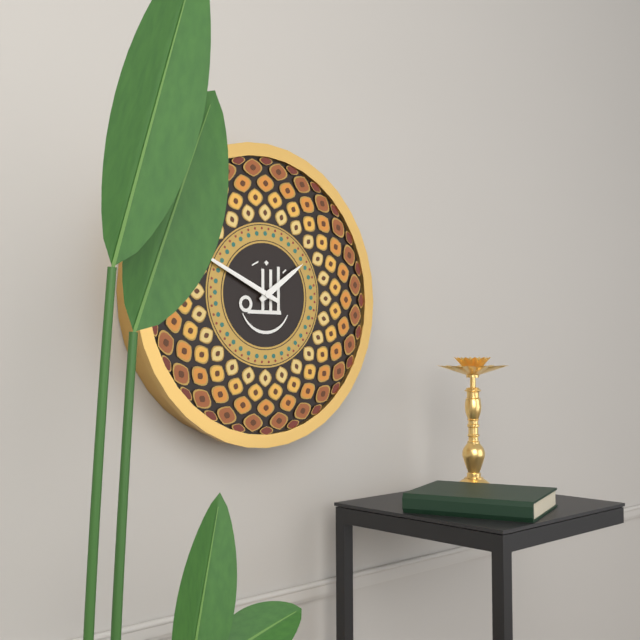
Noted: **1:49**
